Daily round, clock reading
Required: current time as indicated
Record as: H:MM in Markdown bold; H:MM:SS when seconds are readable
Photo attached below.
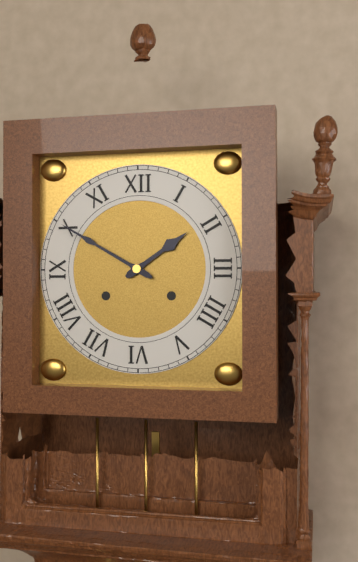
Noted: **1:50**
